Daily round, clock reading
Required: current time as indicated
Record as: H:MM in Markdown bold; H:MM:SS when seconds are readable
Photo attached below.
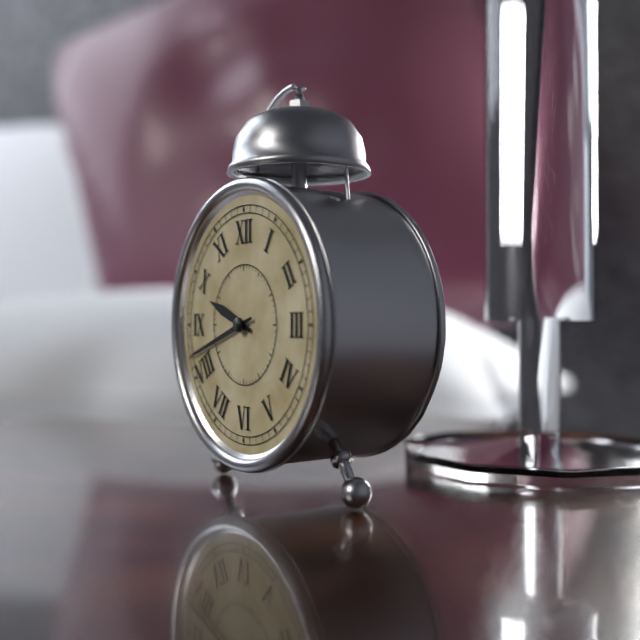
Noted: **9:42**
